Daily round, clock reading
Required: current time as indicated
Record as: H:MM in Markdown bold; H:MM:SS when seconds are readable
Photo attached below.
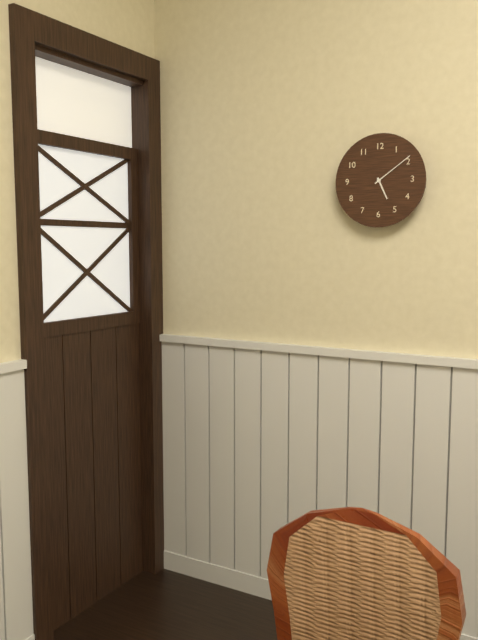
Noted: **5:09**
